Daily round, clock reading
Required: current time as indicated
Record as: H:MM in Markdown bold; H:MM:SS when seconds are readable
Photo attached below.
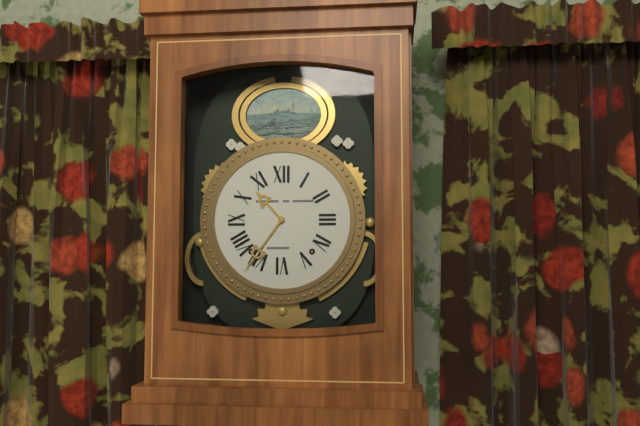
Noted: **10:36**
